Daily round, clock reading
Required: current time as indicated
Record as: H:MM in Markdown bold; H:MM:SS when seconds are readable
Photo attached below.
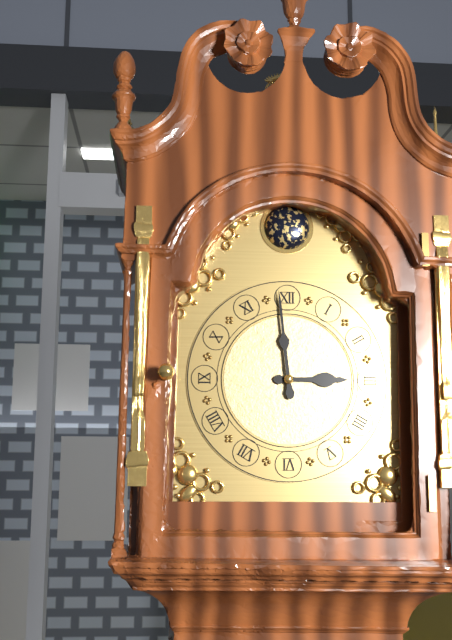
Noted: **2:59**
